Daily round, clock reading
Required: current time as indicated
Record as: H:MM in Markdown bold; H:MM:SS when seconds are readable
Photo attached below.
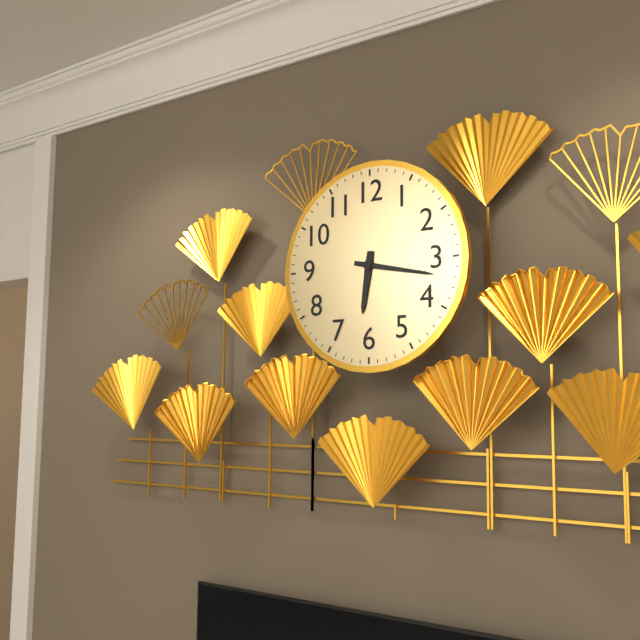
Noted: **6:17**
